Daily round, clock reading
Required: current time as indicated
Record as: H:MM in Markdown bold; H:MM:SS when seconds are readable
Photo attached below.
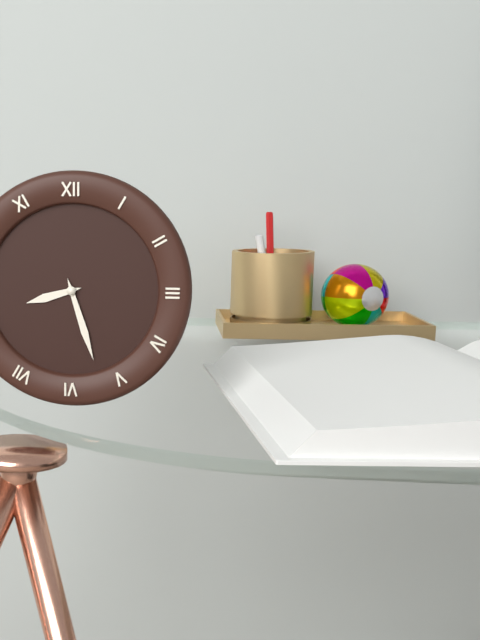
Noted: **8:27**
